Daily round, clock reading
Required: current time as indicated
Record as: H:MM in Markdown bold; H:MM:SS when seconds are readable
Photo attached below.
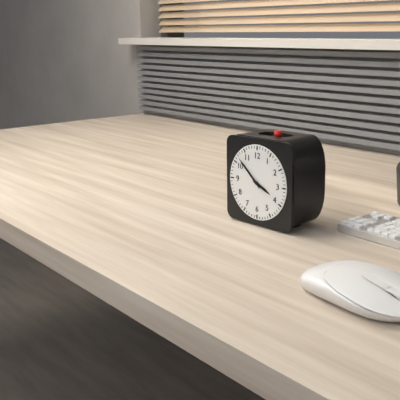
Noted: **3:52**
